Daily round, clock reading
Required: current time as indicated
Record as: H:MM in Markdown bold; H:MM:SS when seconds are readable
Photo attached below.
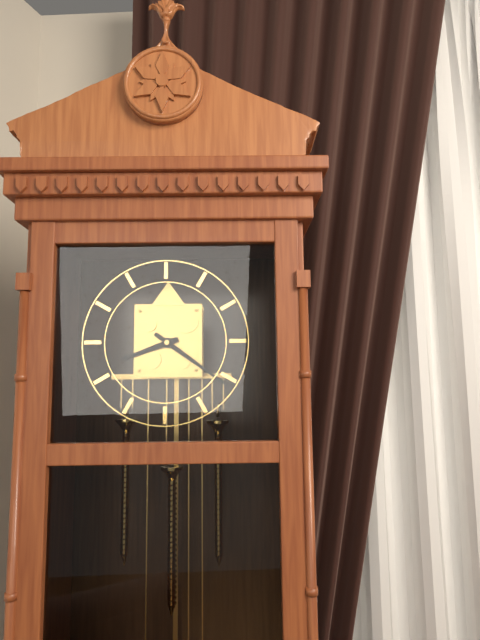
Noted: **8:21**
